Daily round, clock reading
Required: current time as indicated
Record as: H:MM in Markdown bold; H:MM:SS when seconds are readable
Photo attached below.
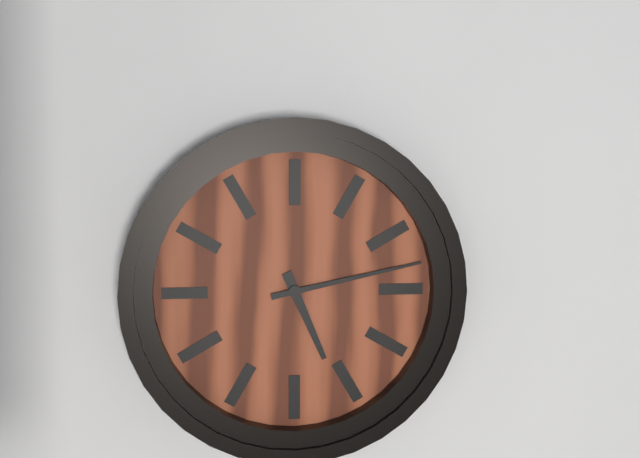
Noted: **5:13**
